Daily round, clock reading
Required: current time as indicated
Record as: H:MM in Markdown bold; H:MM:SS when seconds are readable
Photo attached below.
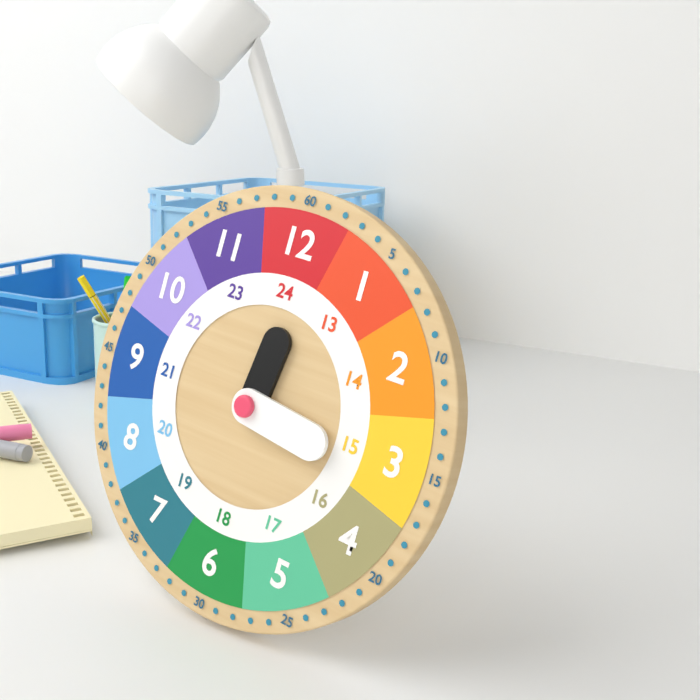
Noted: **12:16**
